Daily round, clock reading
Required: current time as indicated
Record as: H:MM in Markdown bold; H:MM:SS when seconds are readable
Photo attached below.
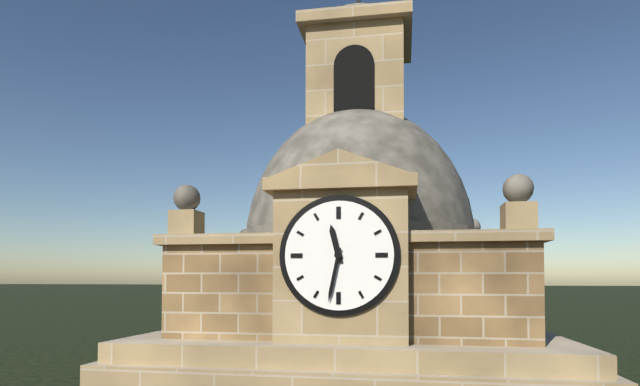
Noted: **11:32**
